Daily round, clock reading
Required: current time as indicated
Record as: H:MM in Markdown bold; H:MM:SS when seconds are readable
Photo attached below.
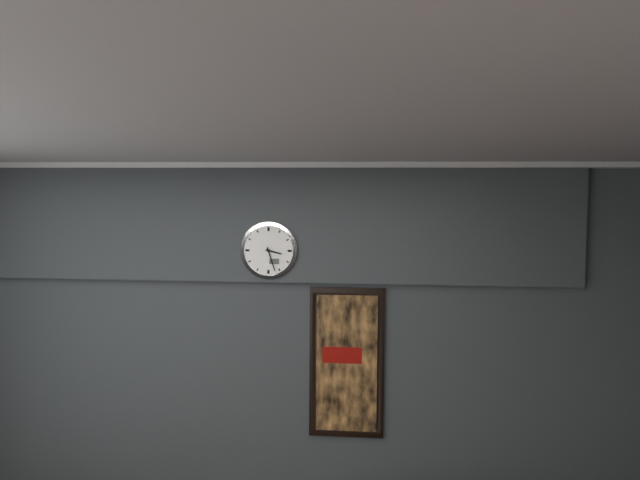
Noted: **3:27**
